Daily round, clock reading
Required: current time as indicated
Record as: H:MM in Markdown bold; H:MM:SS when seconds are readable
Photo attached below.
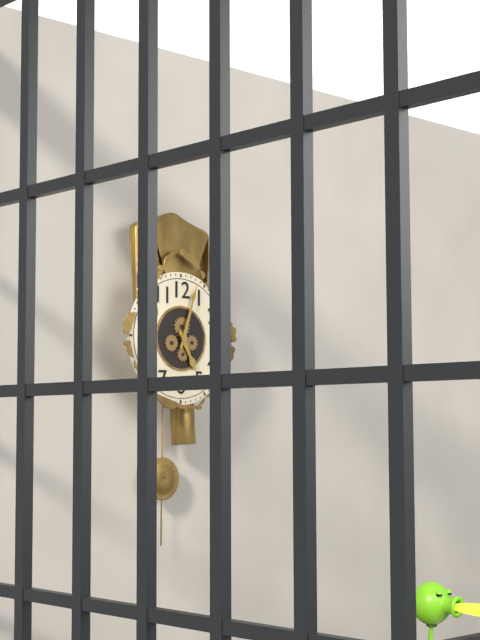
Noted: **5:03**
